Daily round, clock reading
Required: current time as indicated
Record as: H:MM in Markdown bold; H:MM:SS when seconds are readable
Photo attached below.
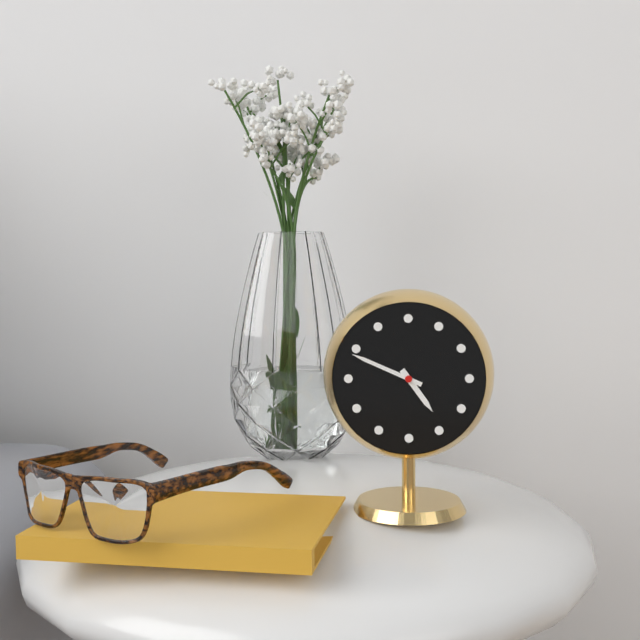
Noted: **4:49**
